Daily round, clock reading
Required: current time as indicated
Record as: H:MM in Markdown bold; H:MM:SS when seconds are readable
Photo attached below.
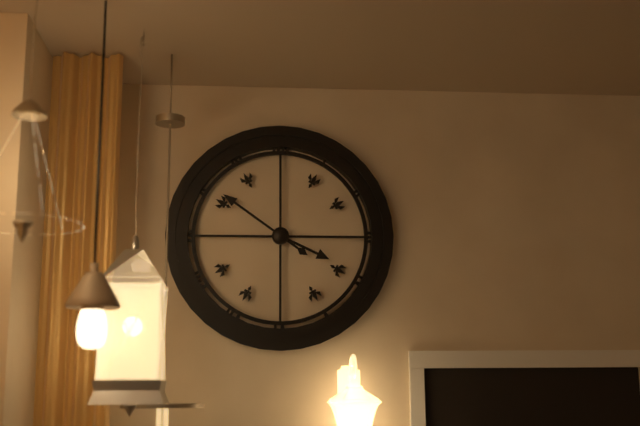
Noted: **3:51**
